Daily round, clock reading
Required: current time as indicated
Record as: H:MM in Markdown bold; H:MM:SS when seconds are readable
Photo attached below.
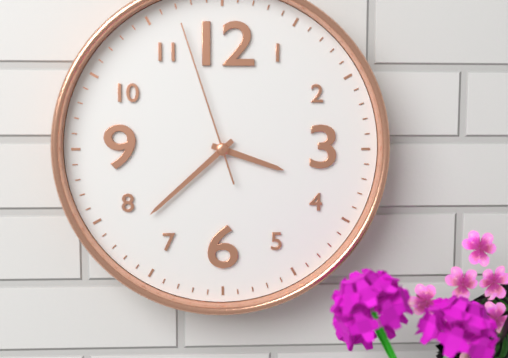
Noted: **3:38:57**
